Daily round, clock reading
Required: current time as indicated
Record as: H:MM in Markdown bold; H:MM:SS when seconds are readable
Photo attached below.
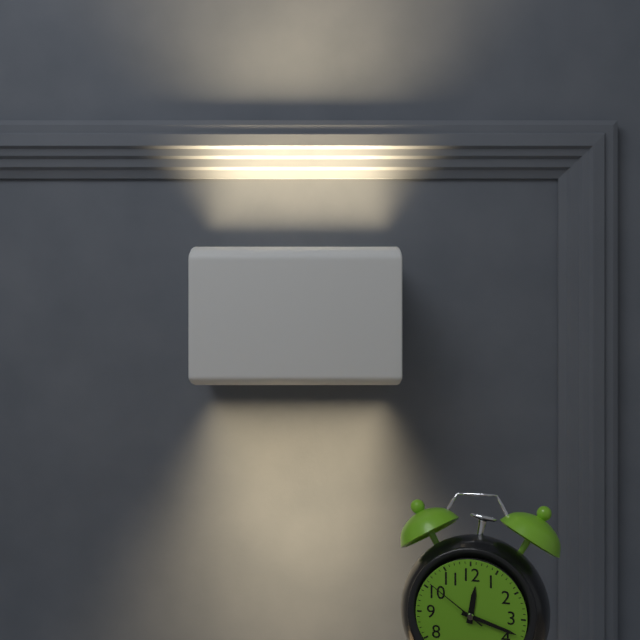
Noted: **12:18:51**
